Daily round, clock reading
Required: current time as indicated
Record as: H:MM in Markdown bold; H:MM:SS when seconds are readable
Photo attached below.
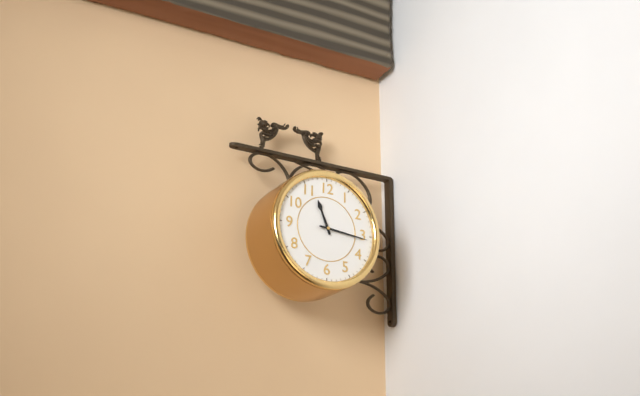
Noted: **11:16**
